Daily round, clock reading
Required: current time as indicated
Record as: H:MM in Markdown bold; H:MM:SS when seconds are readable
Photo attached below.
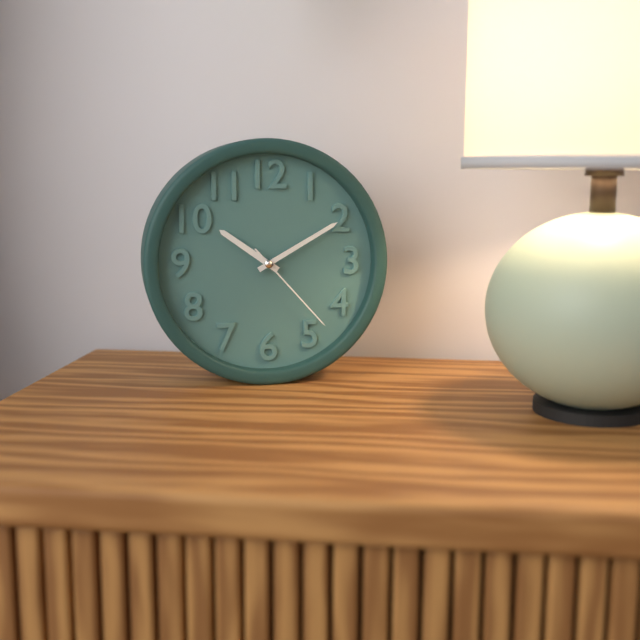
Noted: **10:10:23**
